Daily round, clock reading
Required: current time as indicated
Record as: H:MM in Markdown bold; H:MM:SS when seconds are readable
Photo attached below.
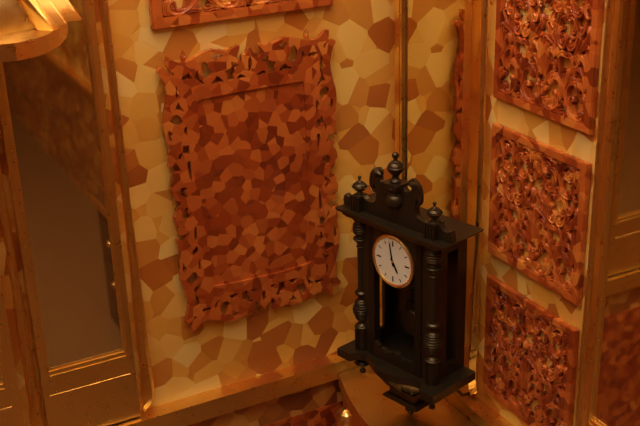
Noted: **4:58**
